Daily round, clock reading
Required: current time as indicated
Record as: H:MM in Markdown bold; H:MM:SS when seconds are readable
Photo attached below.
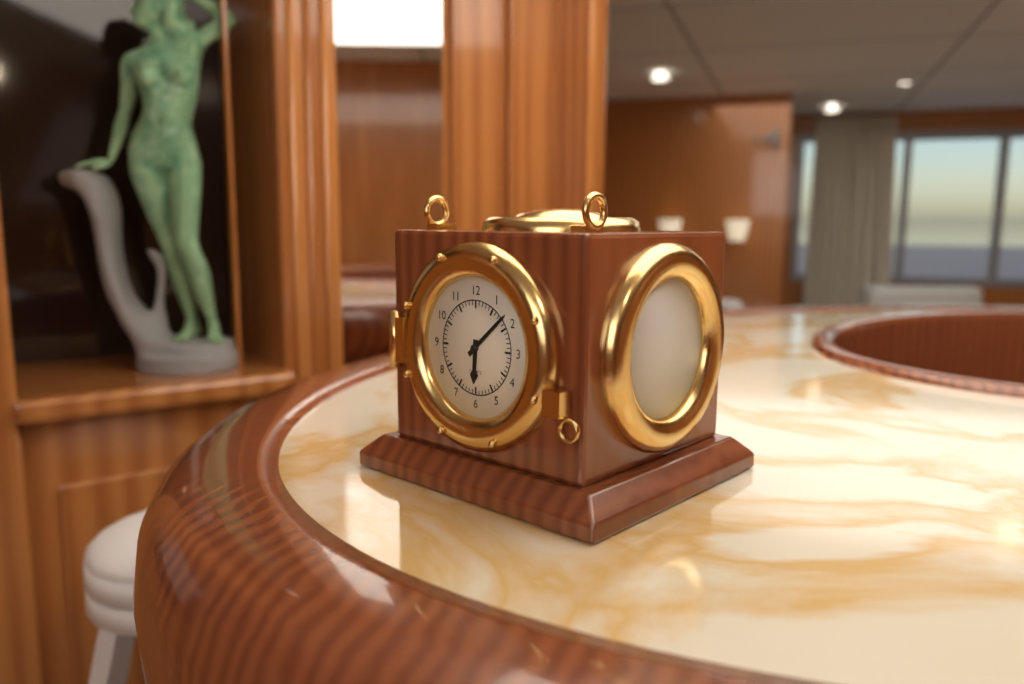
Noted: **6:08**
